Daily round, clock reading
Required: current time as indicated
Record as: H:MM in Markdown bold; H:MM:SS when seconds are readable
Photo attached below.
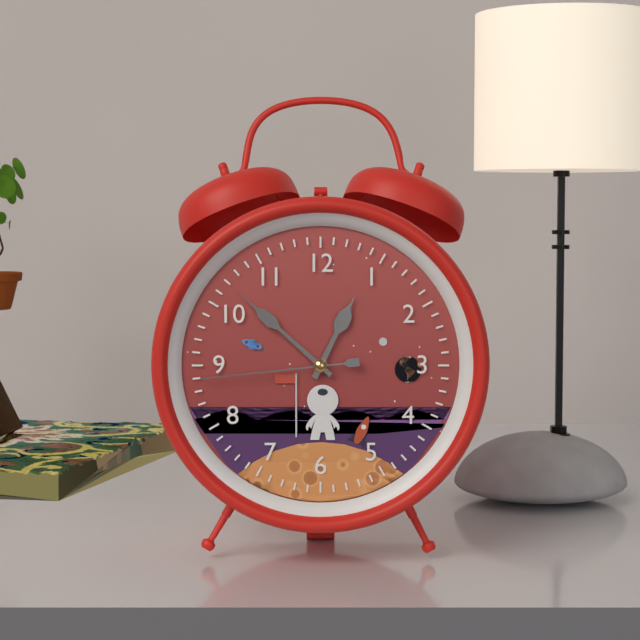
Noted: **12:52:44**
